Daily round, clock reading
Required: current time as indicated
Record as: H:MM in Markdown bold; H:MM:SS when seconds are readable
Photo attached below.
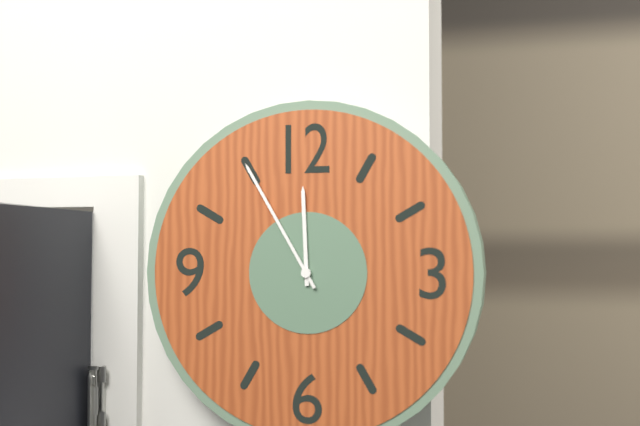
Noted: **11:55**
